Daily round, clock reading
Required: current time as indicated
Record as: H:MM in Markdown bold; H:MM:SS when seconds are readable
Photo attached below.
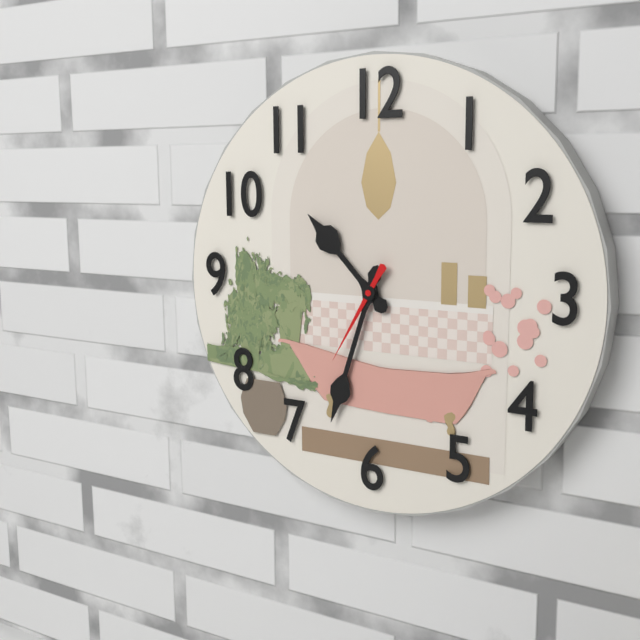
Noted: **10:33:35**
